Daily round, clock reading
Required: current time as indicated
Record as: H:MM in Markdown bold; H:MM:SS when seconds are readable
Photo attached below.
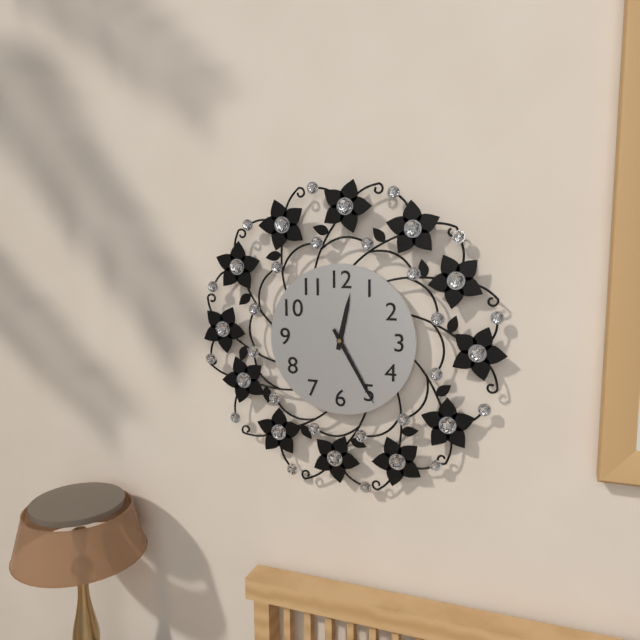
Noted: **12:25**
